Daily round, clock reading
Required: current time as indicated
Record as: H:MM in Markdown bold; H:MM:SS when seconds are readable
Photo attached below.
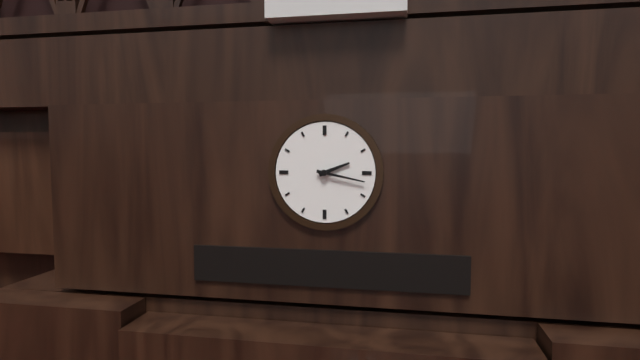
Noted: **2:17**
